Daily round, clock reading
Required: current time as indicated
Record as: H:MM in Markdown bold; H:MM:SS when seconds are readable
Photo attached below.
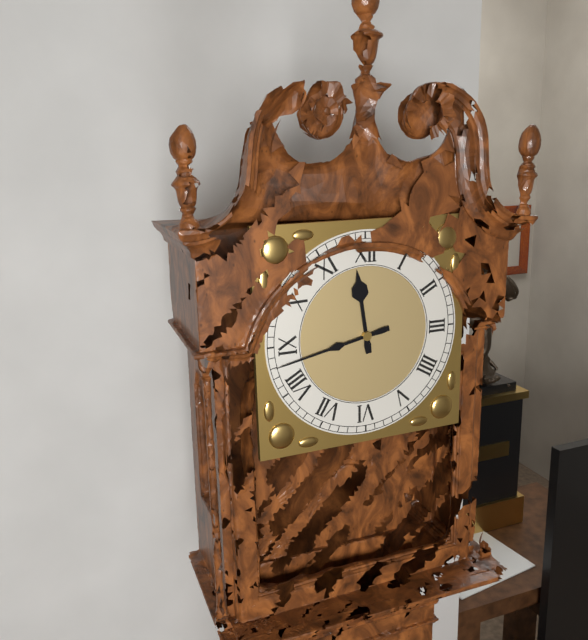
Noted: **11:43**
